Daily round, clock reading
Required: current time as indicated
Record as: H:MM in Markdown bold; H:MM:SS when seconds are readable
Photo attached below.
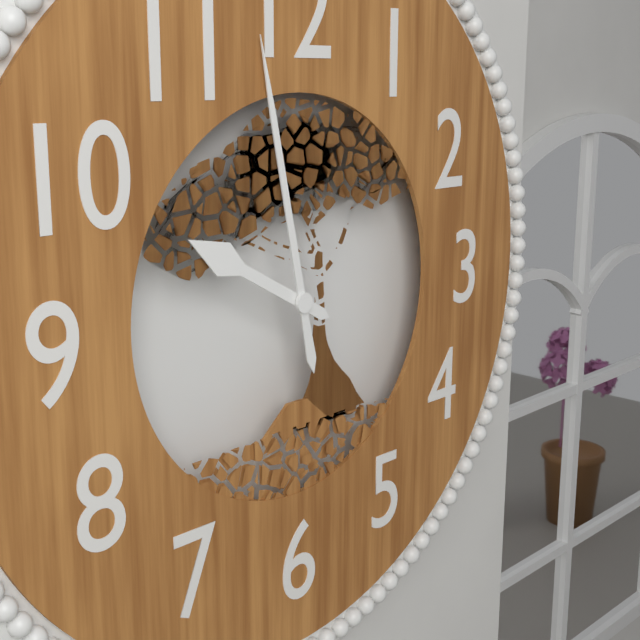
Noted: **9:58**
